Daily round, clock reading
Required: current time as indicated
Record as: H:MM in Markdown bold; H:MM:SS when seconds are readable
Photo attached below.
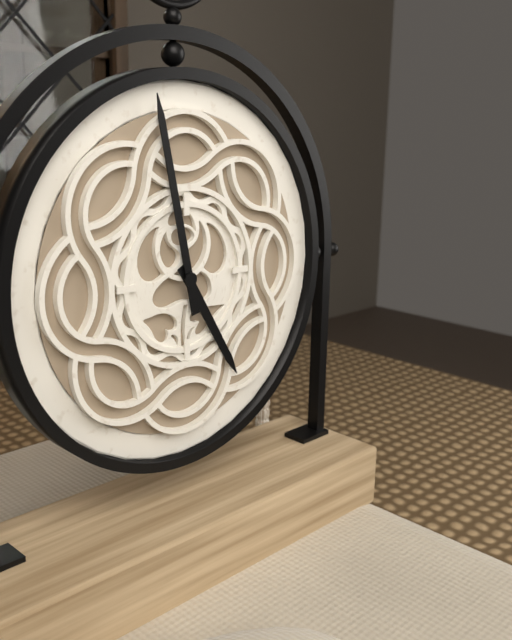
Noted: **4:58**
